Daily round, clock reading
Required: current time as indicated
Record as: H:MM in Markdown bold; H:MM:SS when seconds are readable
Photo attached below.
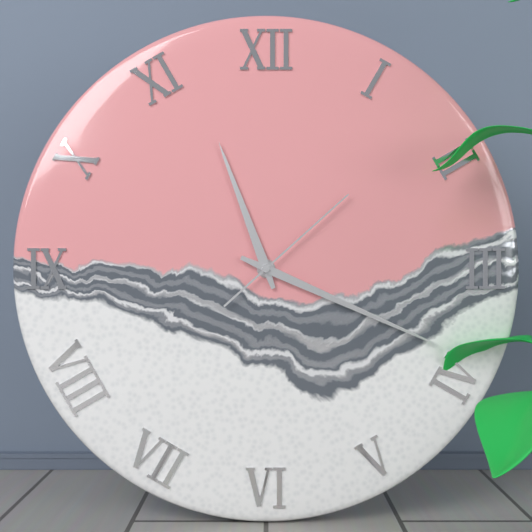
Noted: **11:19:08**
